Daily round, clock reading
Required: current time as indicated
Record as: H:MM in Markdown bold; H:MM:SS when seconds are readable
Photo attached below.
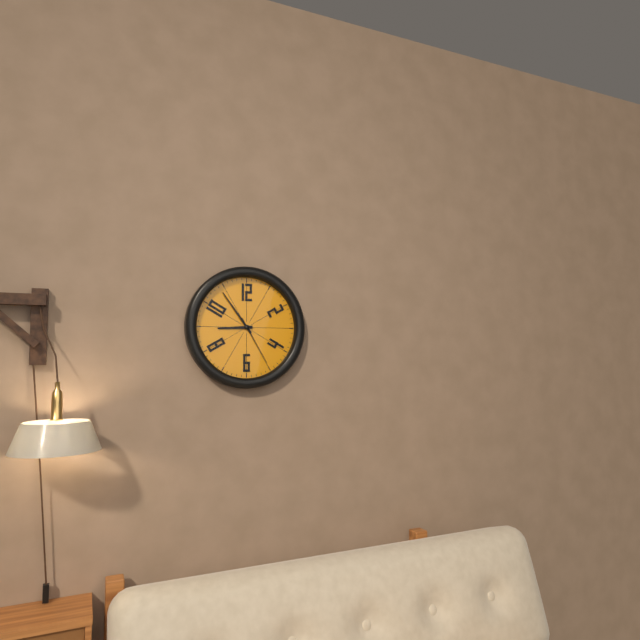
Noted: **8:54:25**
